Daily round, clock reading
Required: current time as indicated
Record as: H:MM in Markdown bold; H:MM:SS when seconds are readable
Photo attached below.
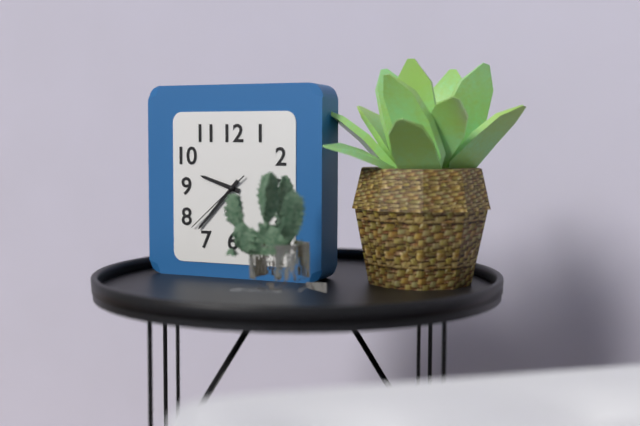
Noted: **9:37:38**
